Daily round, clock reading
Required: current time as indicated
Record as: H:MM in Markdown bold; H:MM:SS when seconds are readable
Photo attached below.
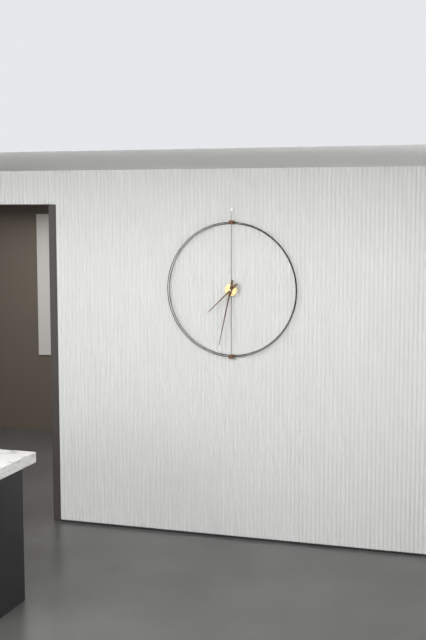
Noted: **7:32**
